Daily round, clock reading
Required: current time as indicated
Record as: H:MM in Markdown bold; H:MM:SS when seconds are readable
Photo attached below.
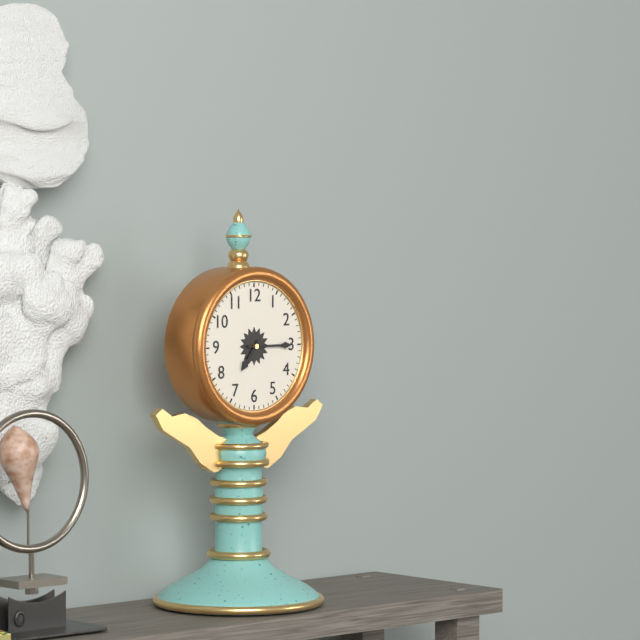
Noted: **7:15**
